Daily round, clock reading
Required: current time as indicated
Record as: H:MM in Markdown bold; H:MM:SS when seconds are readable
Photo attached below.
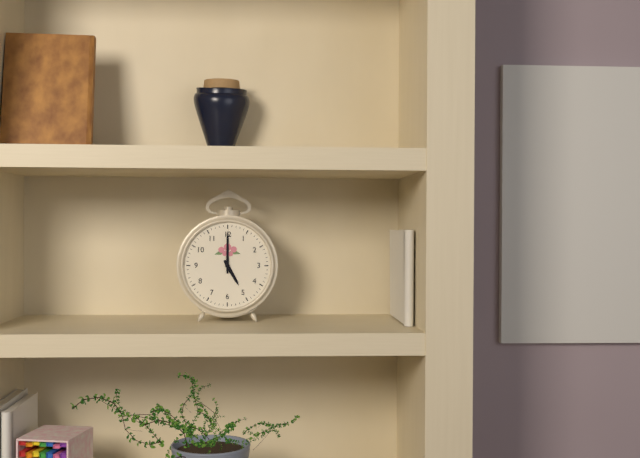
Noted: **5:00**
